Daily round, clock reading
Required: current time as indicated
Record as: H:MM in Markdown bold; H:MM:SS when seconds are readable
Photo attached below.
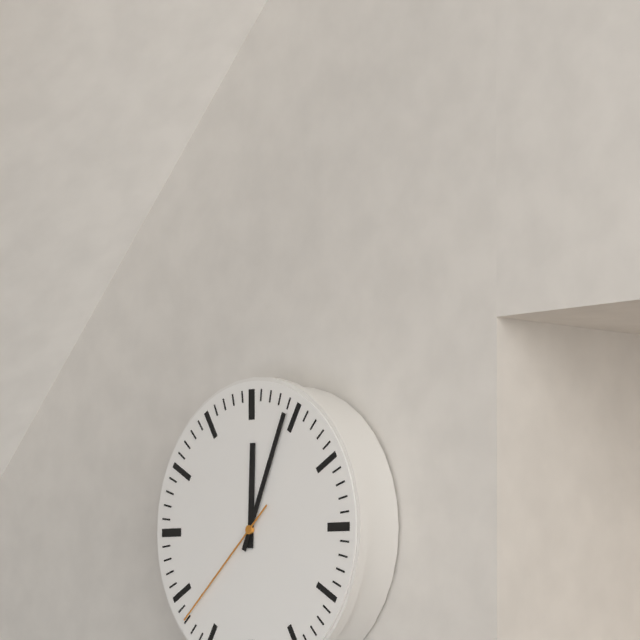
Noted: **12:04:38**
